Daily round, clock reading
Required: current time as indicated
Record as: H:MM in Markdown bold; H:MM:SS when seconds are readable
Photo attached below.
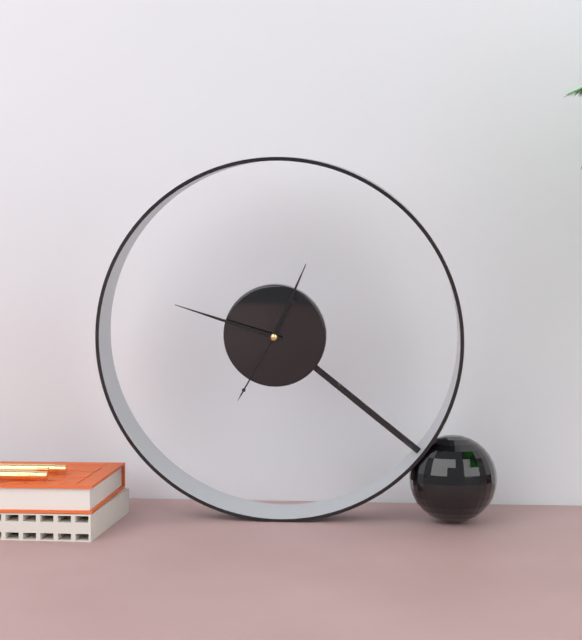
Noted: **12:48:35**
